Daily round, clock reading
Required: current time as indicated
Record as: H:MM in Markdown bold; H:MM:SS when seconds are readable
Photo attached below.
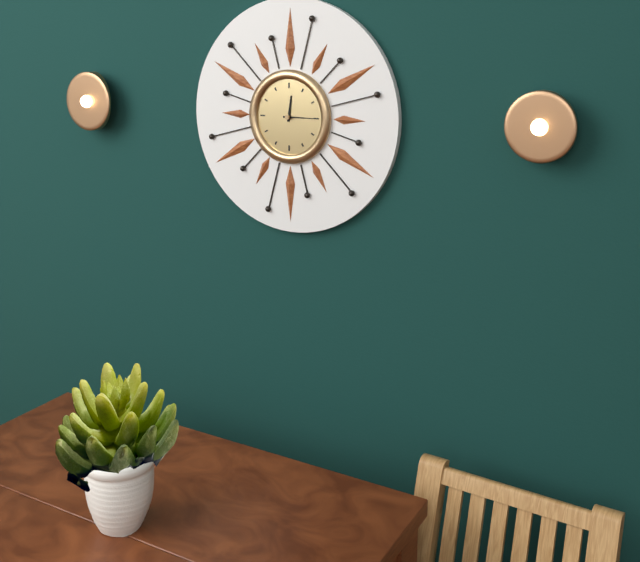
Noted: **12:15**
